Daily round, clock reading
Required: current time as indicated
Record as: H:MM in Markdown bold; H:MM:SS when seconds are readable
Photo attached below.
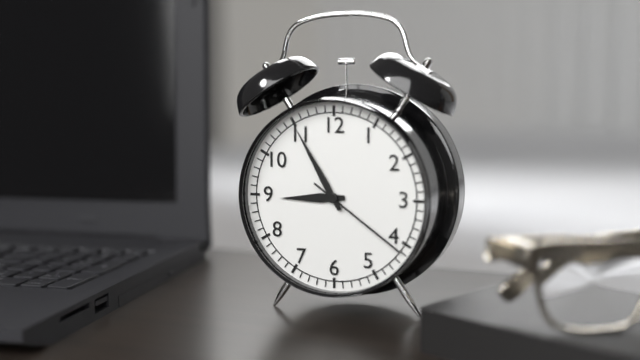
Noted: **8:55:21**
